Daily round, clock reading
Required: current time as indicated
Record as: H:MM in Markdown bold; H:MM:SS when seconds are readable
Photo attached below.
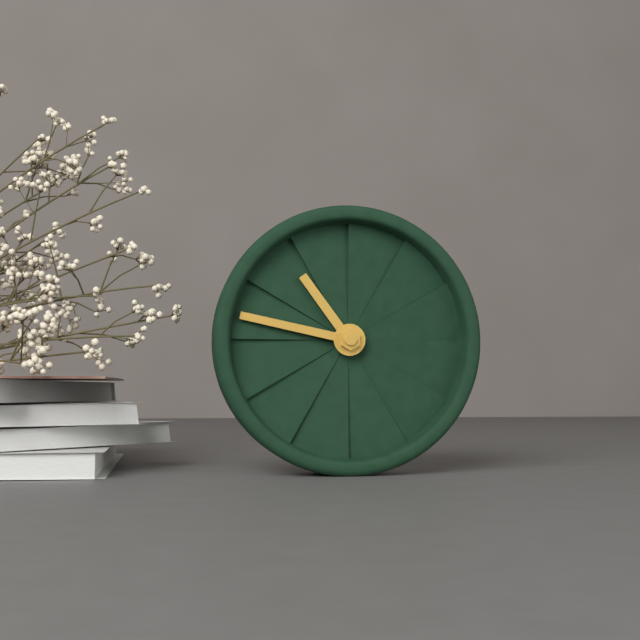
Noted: **10:47**
